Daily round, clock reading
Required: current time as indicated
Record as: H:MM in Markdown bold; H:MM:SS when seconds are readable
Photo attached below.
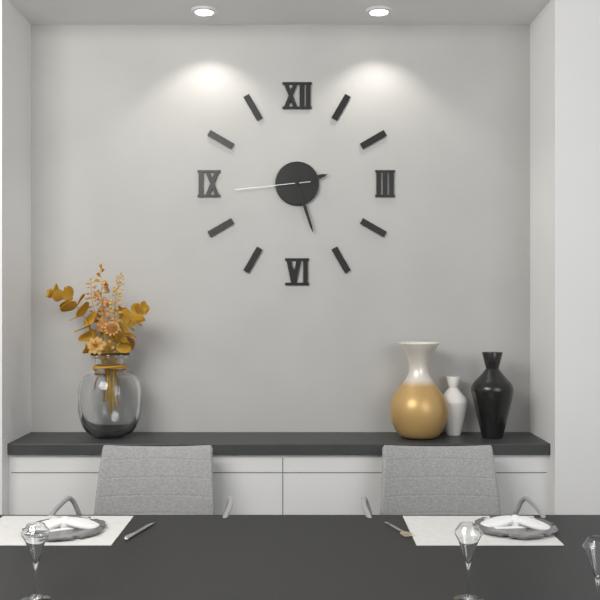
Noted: **2:27:44**
